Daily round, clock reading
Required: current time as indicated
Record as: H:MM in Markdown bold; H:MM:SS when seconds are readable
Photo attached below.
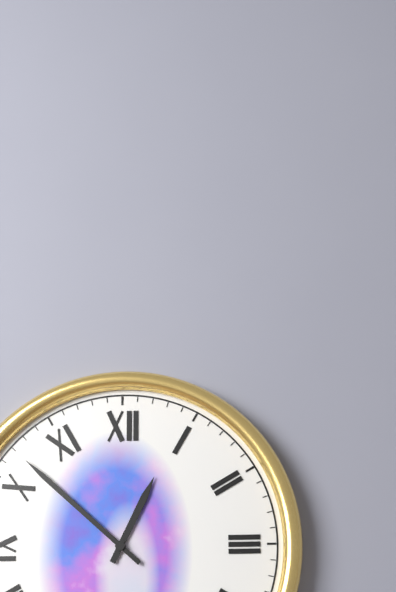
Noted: **12:52**
